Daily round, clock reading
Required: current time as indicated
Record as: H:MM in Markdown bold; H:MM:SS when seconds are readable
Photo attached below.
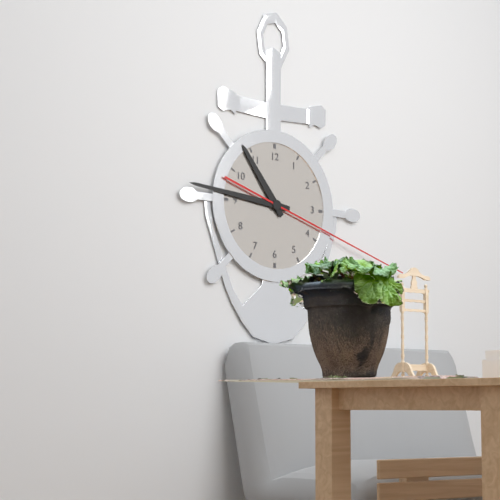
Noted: **10:46:18**
